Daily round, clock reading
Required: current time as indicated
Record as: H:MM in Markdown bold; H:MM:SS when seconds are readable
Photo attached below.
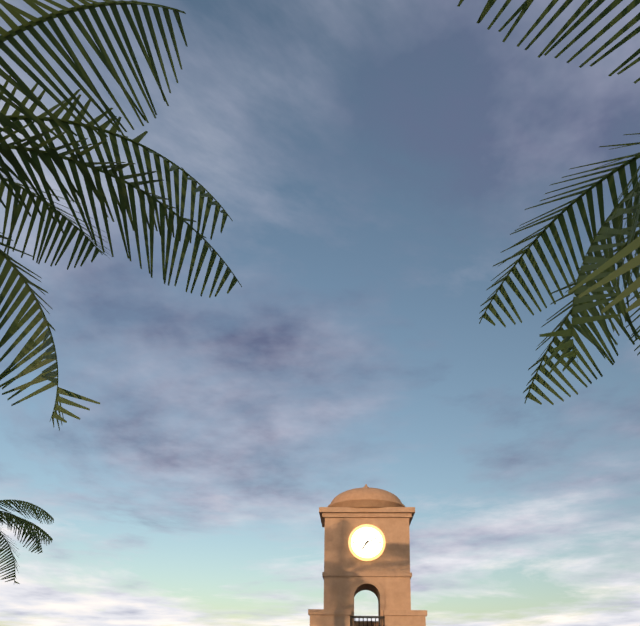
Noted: **7:11**
